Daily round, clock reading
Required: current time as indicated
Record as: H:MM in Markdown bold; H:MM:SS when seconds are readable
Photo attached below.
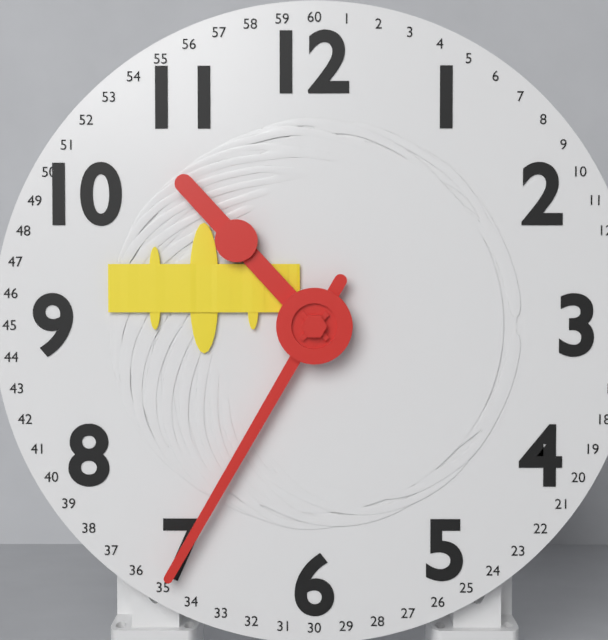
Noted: **10:35**
